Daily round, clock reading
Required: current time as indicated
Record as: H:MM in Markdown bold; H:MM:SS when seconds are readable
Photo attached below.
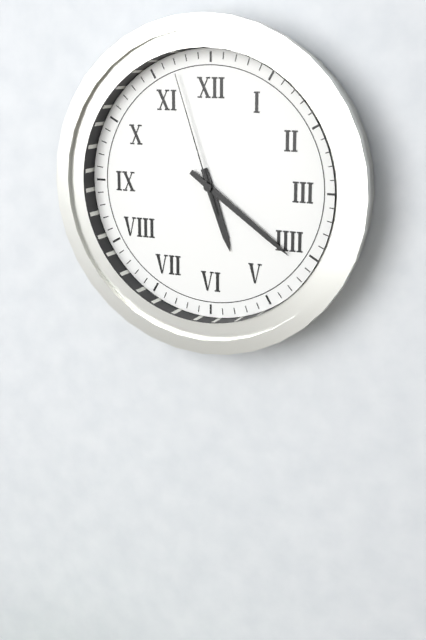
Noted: **5:21:57**
